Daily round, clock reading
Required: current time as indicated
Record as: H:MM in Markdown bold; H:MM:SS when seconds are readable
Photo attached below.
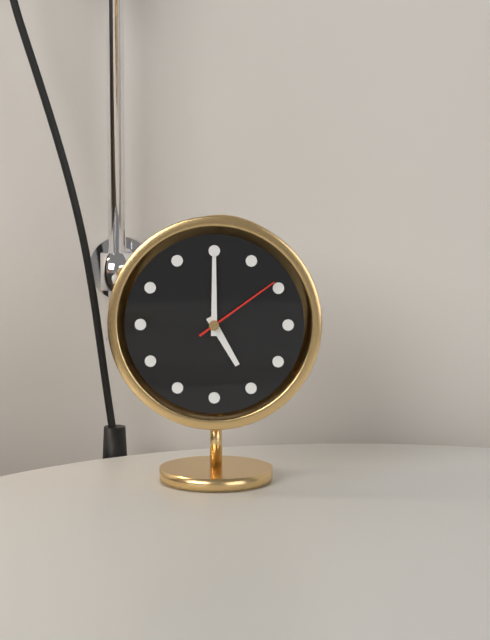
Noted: **5:00:09**
